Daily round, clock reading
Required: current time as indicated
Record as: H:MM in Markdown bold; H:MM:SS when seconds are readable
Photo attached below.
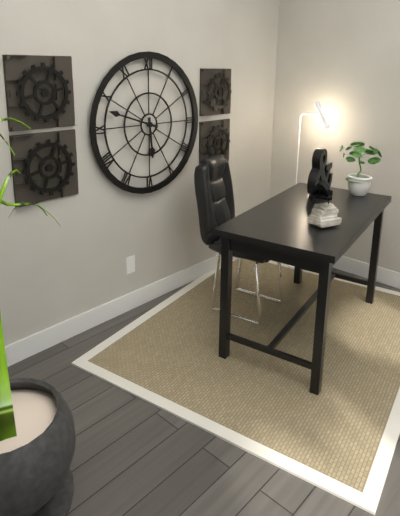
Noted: **5:48**
